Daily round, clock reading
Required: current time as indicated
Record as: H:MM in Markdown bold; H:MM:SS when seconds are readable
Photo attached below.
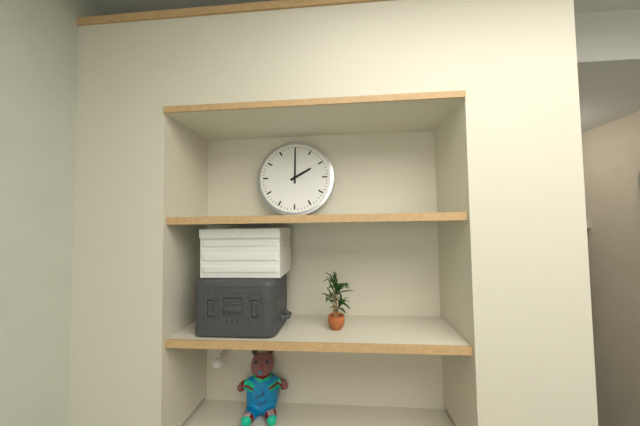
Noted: **2:00**
